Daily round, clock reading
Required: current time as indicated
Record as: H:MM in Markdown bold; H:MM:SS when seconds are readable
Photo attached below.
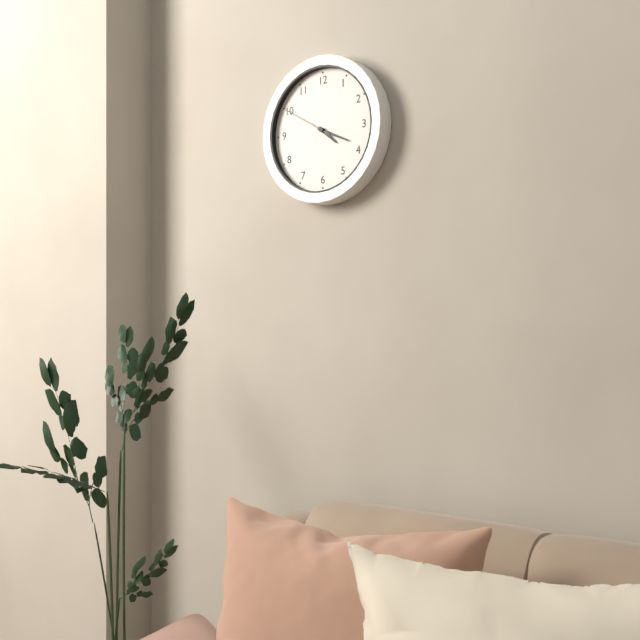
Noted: **4:19:50**
